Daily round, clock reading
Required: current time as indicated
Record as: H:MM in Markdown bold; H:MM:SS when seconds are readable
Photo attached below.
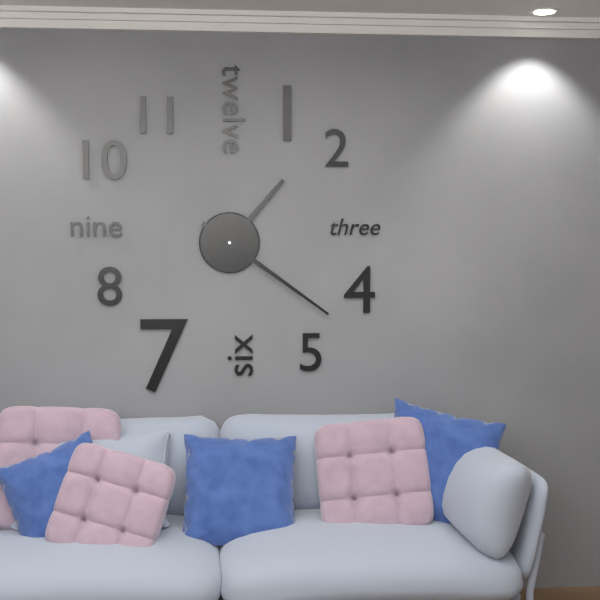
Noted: **1:21**
